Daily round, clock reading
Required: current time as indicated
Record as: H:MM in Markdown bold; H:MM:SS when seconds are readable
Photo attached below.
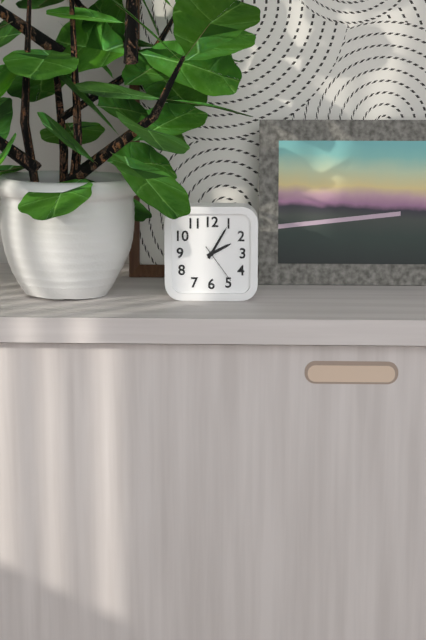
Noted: **2:05**
